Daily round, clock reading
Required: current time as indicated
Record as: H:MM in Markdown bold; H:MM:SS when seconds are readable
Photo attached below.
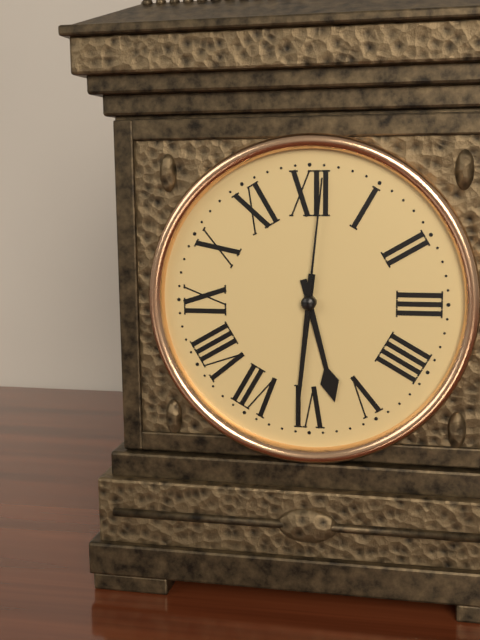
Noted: **5:31:01**
